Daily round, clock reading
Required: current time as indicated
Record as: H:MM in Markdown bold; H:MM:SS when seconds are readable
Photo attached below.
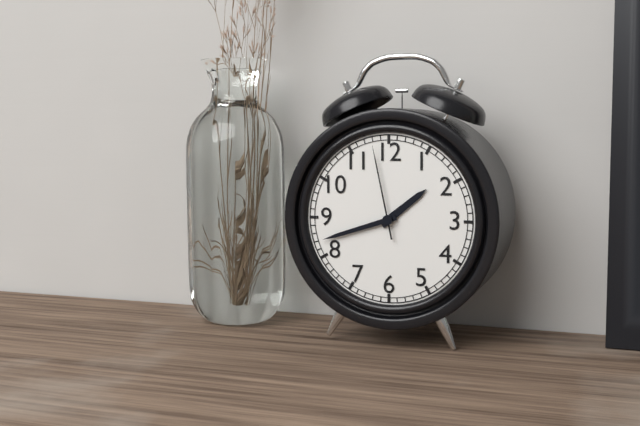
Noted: **1:42:58**
